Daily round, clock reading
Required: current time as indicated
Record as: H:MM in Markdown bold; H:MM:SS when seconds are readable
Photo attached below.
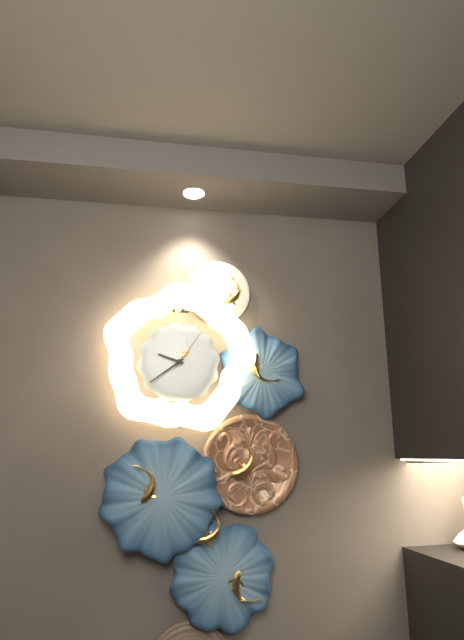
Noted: **9:39**
